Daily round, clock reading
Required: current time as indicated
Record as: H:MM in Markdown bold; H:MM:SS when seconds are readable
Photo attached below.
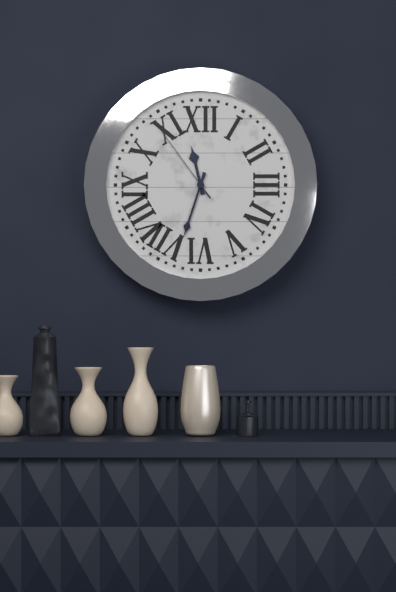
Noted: **11:33:54**
